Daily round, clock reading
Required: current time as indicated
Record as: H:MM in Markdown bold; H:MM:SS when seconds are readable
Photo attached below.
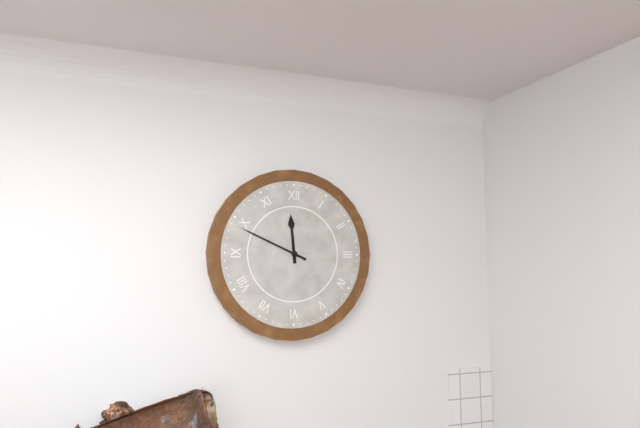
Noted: **11:49**
